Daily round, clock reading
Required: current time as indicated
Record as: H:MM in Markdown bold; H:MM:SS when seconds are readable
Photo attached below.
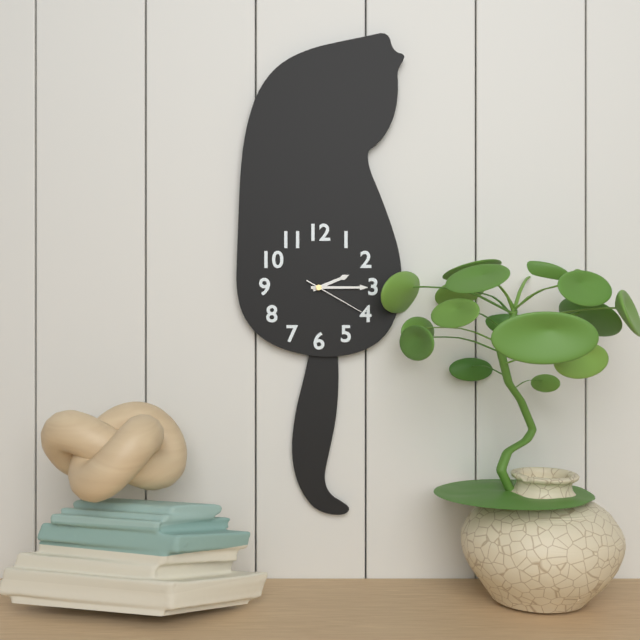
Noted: **2:15:20**
